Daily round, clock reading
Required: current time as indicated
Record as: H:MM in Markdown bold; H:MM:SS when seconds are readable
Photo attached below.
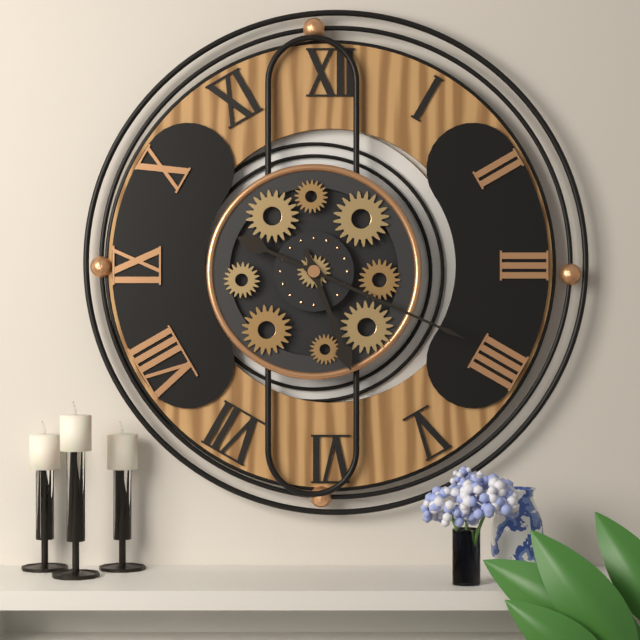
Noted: **5:19**
